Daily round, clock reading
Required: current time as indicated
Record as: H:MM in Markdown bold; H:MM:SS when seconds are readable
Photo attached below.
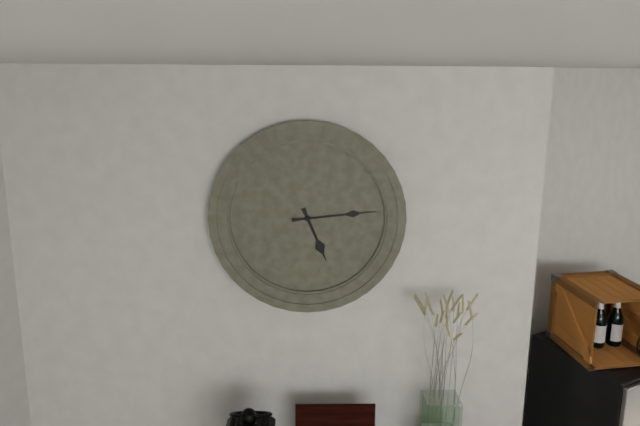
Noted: **5:14**
